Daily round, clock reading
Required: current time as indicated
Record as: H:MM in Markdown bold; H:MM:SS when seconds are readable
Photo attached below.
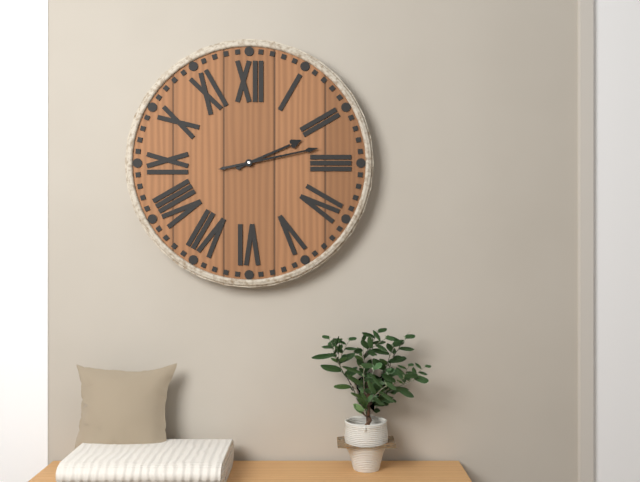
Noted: **2:13**
